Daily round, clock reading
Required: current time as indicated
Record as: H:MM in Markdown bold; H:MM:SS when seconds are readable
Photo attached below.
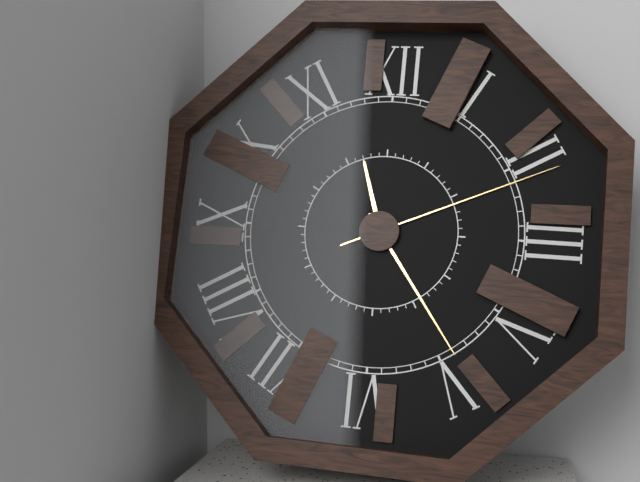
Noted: **11:24:11**
